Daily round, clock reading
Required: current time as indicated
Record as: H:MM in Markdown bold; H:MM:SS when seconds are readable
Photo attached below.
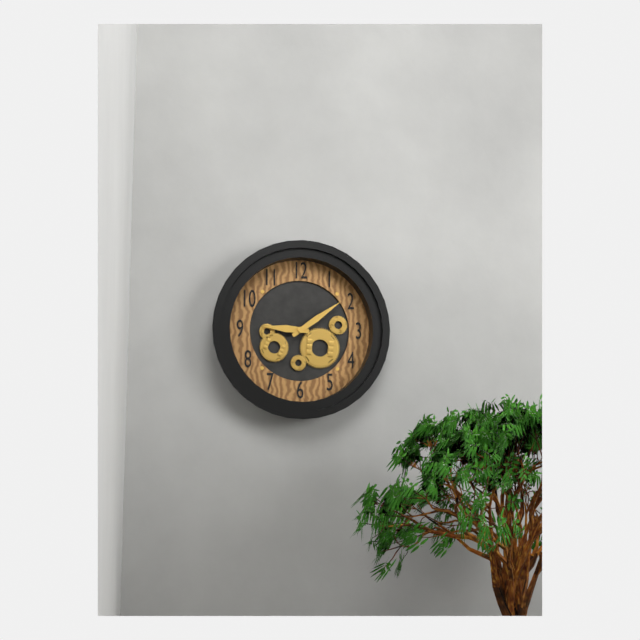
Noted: **9:09**
